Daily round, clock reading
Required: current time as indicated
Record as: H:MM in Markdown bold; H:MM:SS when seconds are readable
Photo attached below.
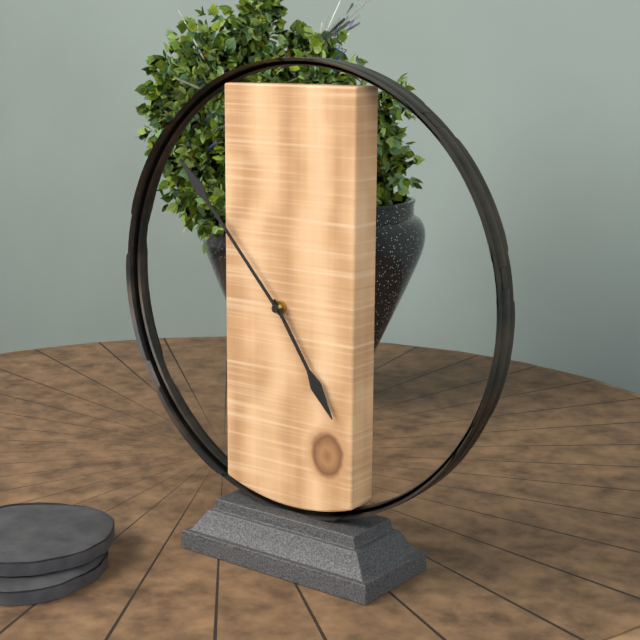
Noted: **4:53**
